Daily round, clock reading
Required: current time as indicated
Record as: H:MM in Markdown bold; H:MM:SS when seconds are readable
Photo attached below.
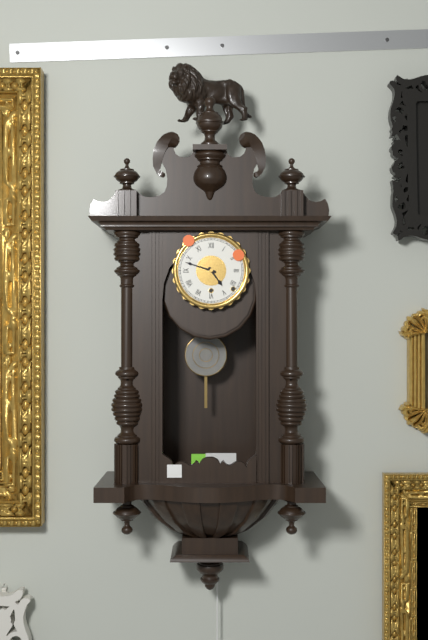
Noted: **4:48**
